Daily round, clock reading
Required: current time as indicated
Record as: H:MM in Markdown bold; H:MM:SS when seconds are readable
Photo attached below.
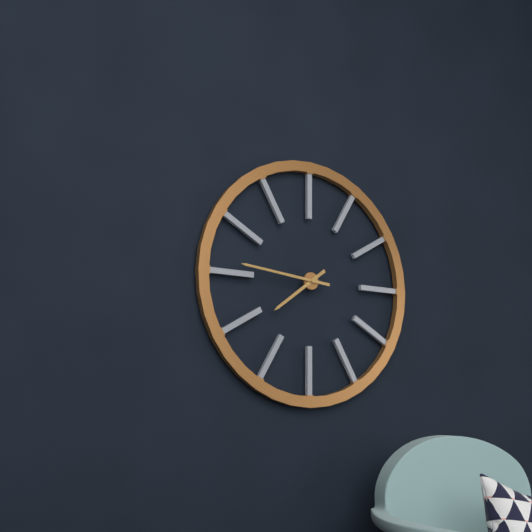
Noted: **7:46**
